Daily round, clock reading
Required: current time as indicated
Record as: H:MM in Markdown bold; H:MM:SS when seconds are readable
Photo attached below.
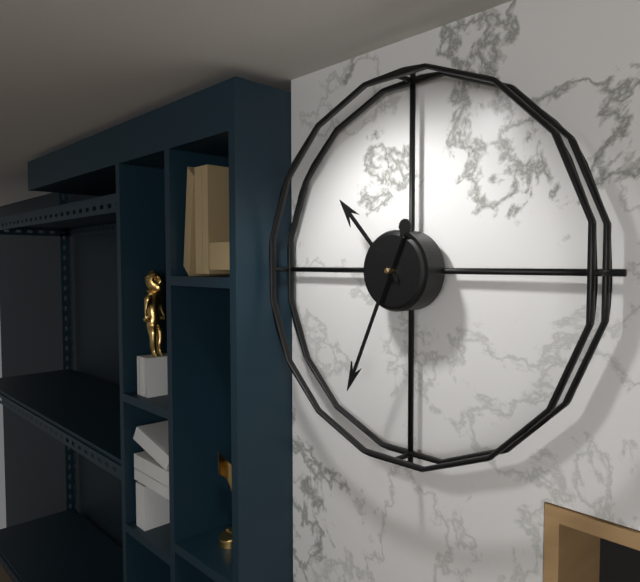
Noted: **10:34**
